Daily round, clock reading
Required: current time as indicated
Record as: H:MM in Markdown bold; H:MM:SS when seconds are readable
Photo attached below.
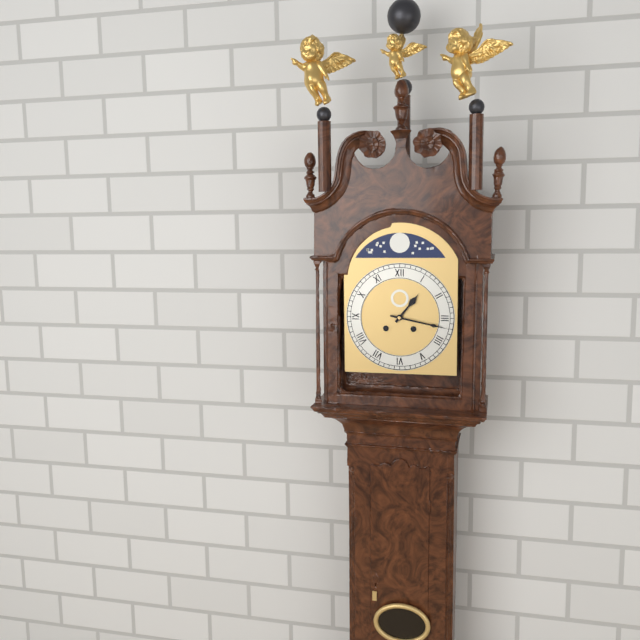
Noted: **1:17**
